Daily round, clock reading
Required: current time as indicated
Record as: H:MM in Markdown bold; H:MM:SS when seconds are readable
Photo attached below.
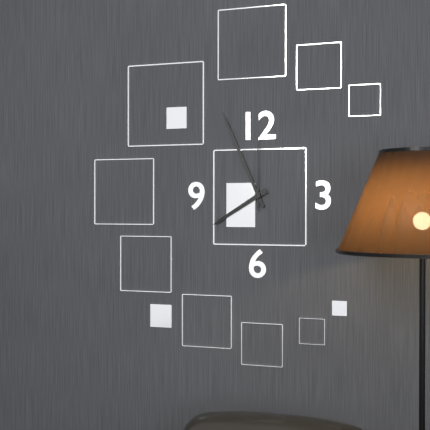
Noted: **7:56:00**
